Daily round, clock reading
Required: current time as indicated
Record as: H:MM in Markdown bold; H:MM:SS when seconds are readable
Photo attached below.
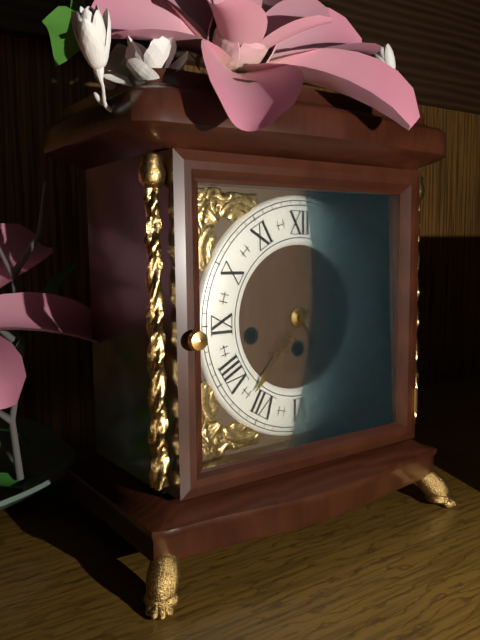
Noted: **4:37**
